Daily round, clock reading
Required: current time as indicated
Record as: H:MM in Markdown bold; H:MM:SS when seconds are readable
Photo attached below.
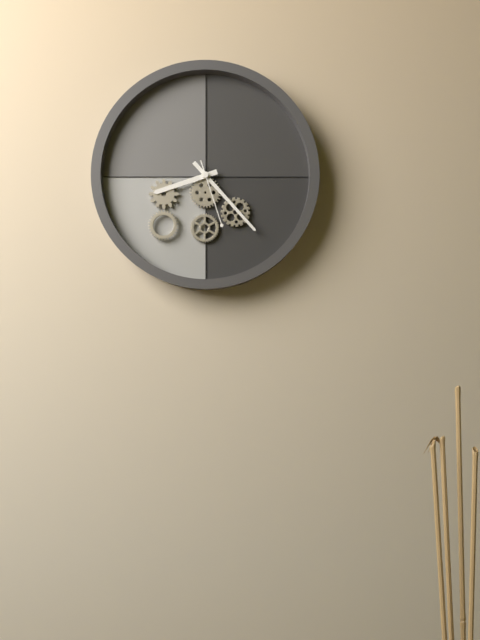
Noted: **8:23:27**
